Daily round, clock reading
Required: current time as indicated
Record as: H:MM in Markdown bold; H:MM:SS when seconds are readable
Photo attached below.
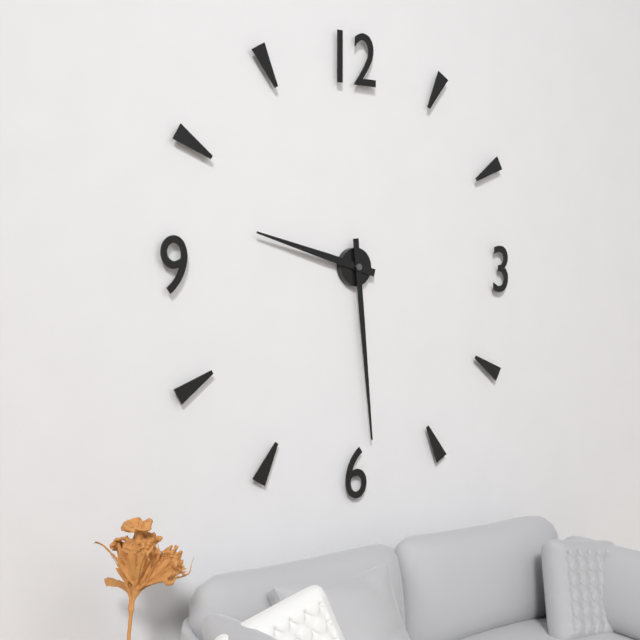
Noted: **9:29**
